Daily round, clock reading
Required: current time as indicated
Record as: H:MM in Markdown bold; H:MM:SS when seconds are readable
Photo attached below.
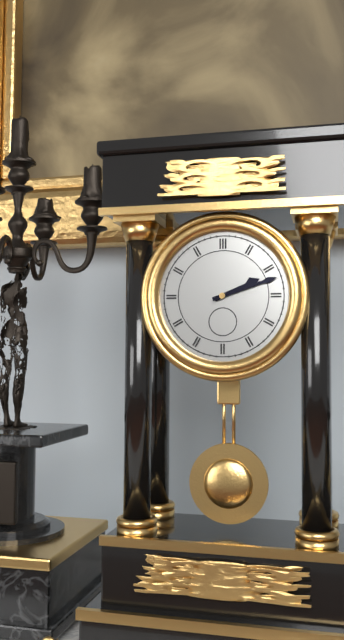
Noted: **2:12**
